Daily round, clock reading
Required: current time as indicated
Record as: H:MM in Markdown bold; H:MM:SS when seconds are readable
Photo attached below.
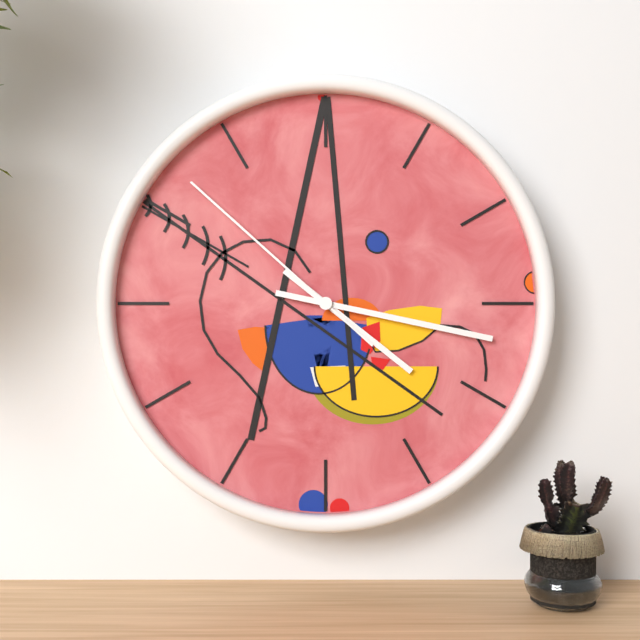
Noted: **4:17:52**
